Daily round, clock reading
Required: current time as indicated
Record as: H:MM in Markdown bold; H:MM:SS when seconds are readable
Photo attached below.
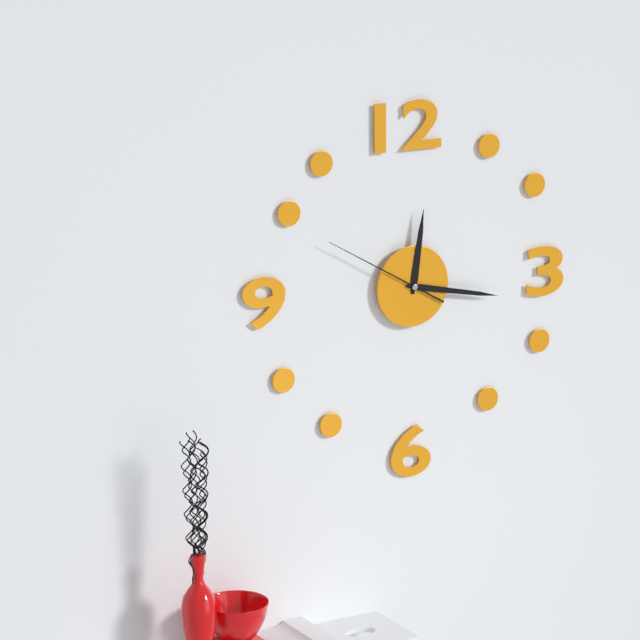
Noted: **12:17:50**
